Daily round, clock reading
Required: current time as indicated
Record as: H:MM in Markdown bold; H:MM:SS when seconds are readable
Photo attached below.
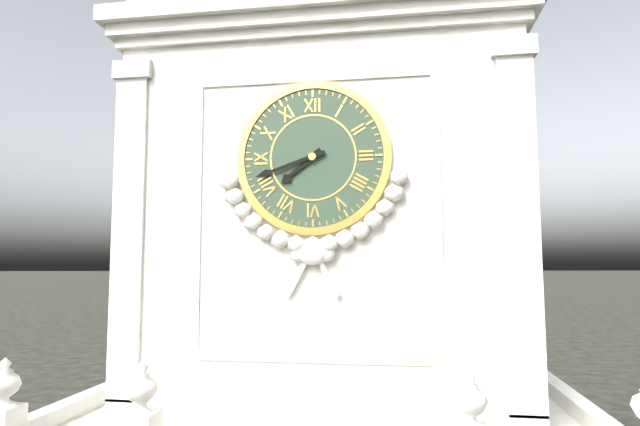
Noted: **7:42**
